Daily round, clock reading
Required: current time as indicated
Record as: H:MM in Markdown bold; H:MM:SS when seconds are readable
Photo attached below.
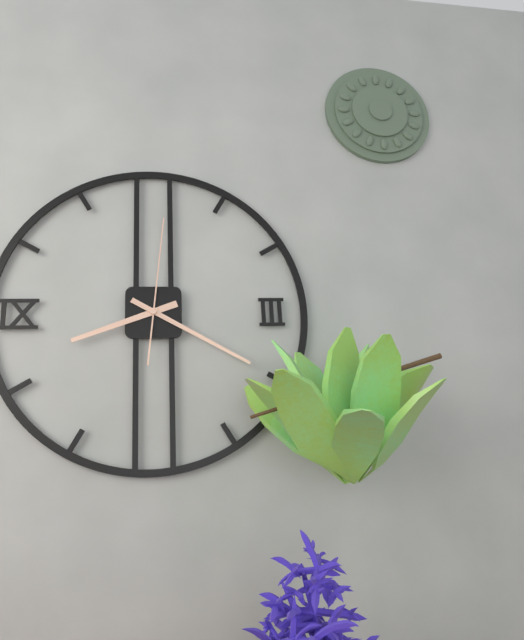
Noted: **8:20:01**
